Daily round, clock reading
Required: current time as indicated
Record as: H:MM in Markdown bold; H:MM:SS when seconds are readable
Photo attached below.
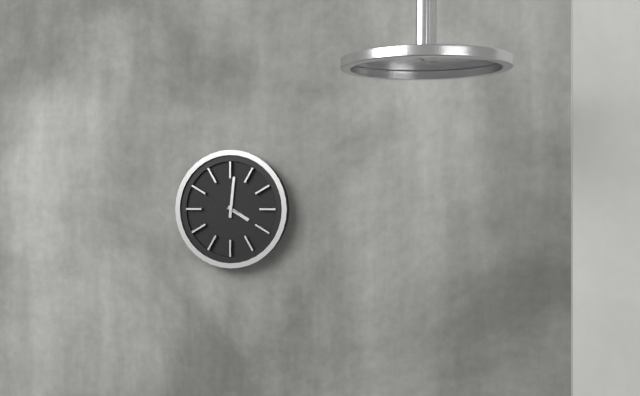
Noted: **4:01:49**
